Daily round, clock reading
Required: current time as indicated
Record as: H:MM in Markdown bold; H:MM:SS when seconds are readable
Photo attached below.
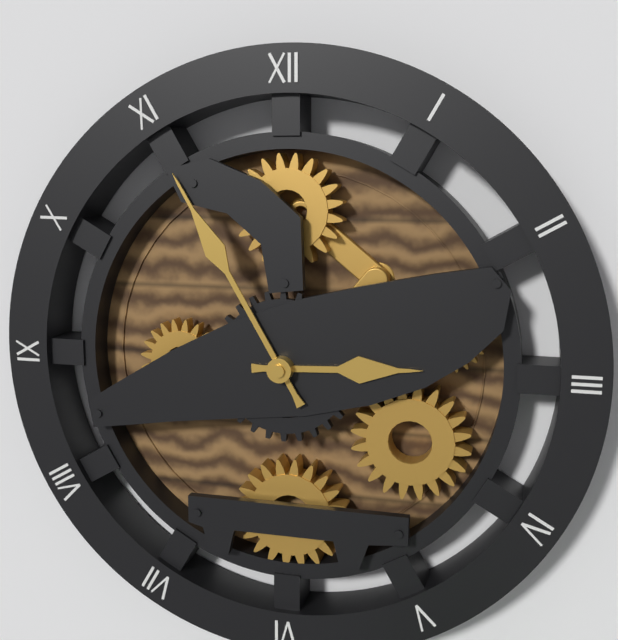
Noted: **2:55**
